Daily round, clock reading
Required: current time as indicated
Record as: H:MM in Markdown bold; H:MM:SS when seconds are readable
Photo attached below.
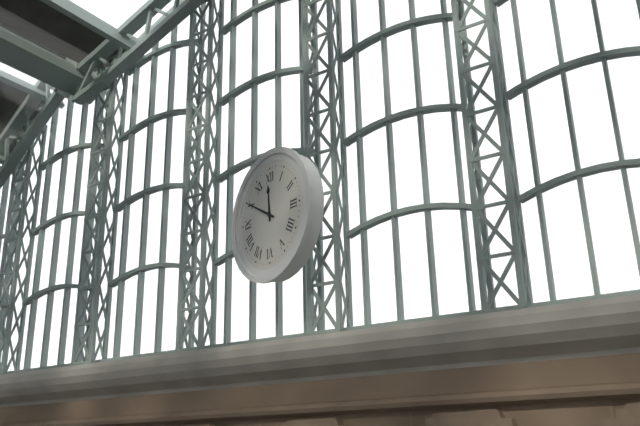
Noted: **11:50**
